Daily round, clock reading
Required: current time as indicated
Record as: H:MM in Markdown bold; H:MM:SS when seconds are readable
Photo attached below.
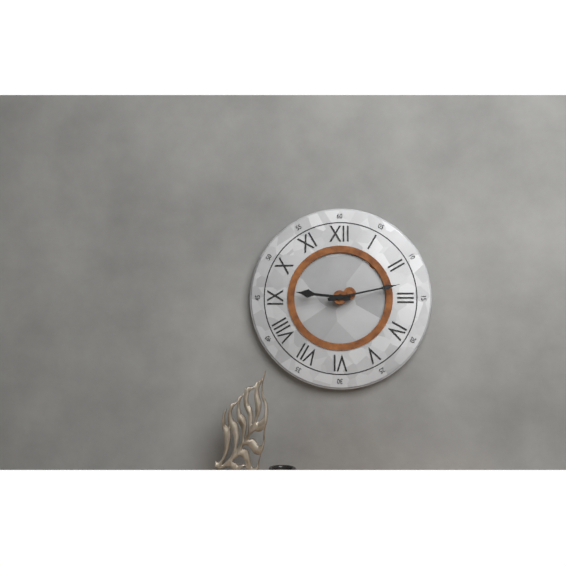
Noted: **9:13**
